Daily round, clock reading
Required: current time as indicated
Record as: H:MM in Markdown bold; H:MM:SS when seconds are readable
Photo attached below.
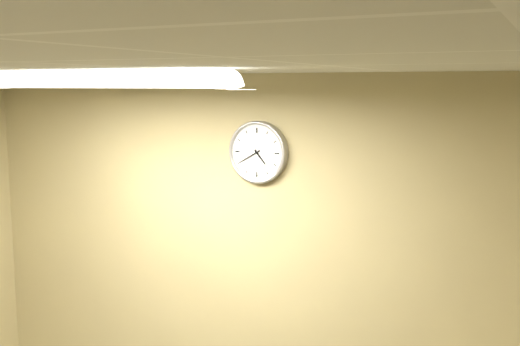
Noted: **4:40**
